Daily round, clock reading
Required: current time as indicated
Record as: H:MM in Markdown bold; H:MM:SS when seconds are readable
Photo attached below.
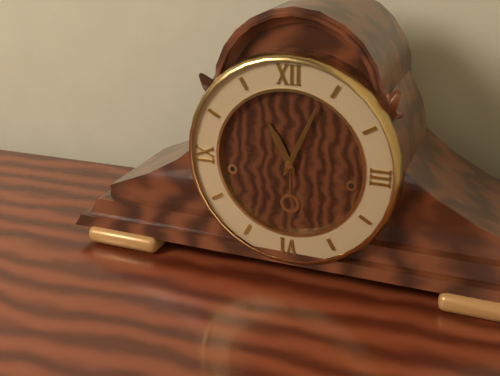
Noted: **11:04**
